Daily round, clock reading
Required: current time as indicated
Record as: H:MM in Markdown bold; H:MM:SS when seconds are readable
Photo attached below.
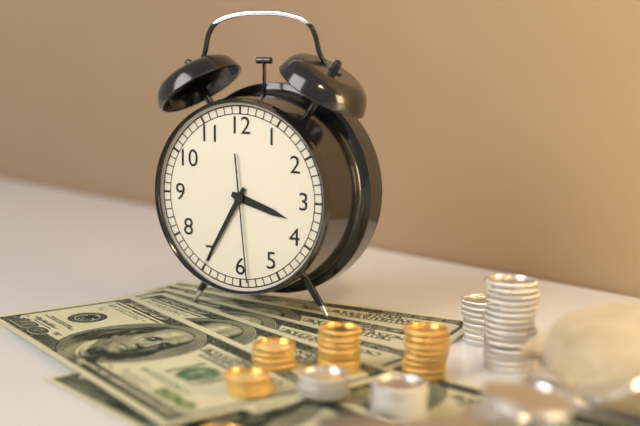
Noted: **3:35:29**
